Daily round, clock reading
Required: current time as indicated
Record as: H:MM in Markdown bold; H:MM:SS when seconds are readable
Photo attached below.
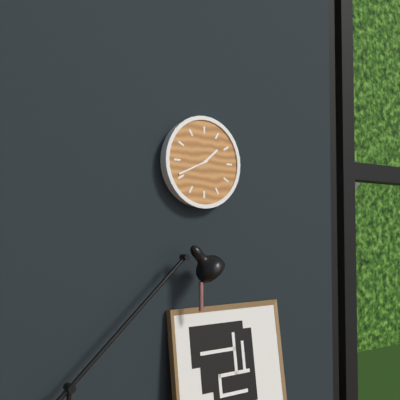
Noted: **1:41**
